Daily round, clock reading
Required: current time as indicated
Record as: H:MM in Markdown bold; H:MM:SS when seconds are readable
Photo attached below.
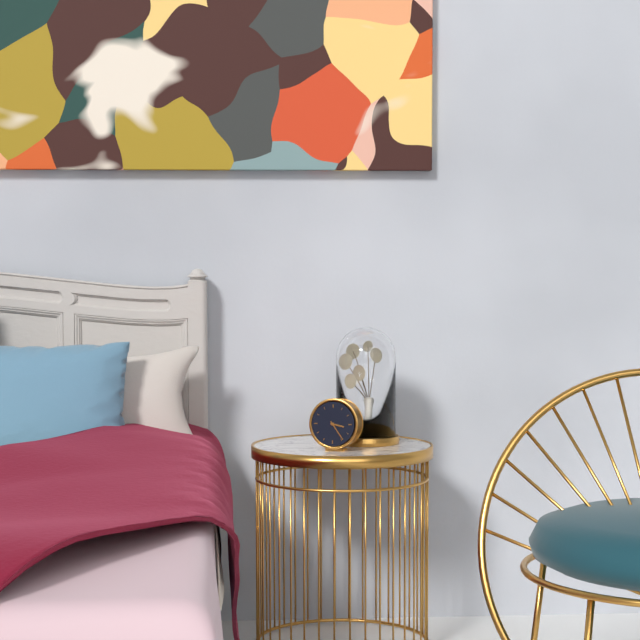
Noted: **3:24**
